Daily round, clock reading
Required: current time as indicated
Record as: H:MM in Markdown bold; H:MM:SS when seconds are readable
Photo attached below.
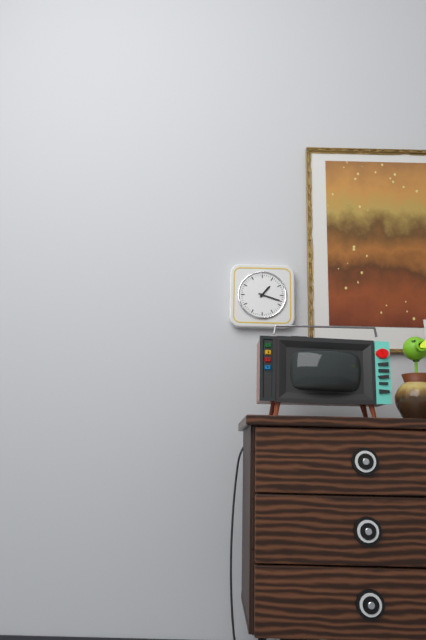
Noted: **1:18**
